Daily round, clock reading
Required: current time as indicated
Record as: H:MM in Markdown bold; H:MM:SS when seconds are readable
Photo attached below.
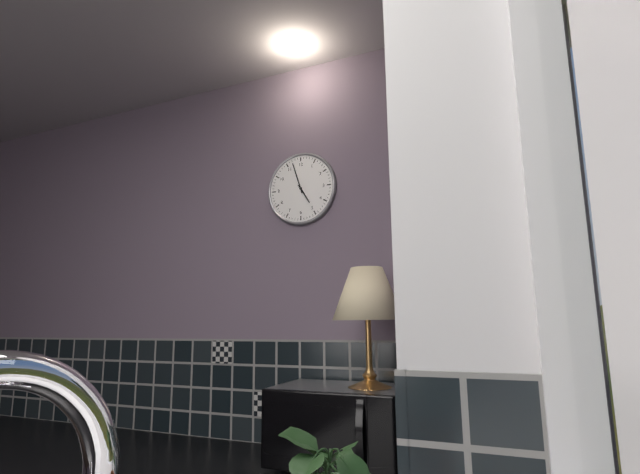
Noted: **4:57**
